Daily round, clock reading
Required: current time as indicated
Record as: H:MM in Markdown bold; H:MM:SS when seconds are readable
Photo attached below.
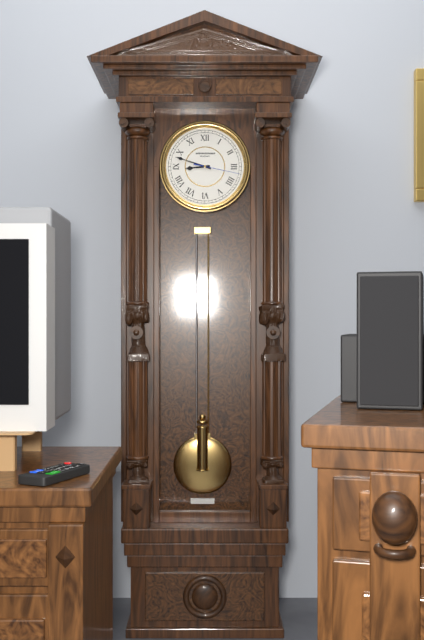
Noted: **8:48**
